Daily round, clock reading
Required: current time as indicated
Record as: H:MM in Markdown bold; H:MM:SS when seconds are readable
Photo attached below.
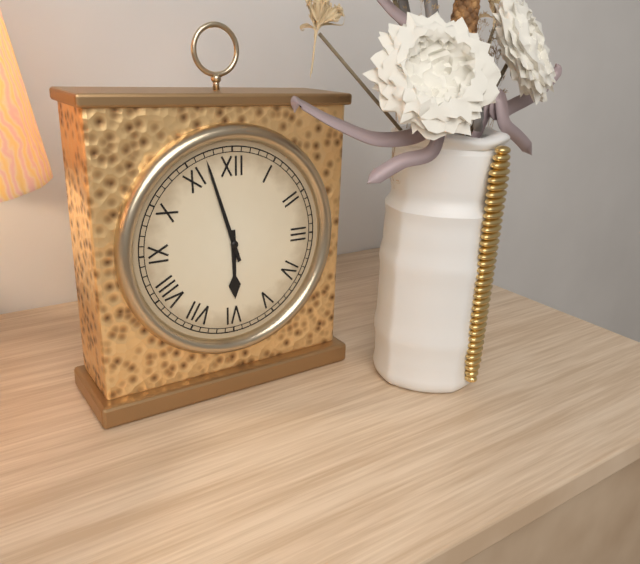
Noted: **5:57**
